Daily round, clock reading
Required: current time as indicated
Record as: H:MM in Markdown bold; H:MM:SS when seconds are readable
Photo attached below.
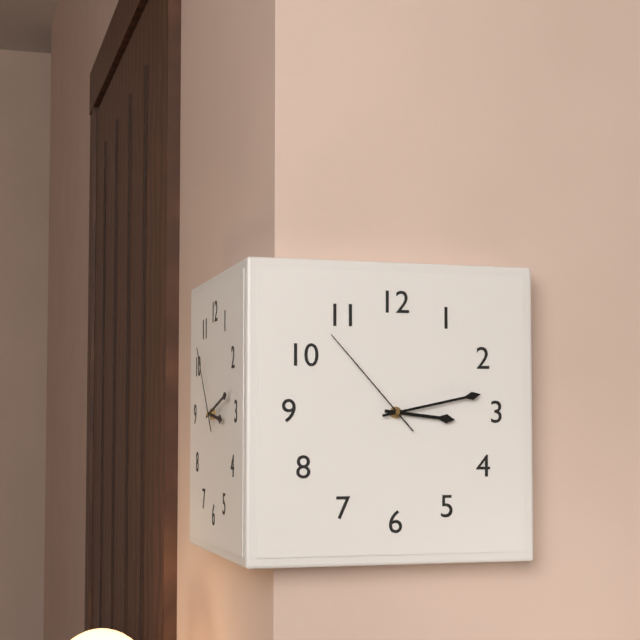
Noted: **3:13:53**
